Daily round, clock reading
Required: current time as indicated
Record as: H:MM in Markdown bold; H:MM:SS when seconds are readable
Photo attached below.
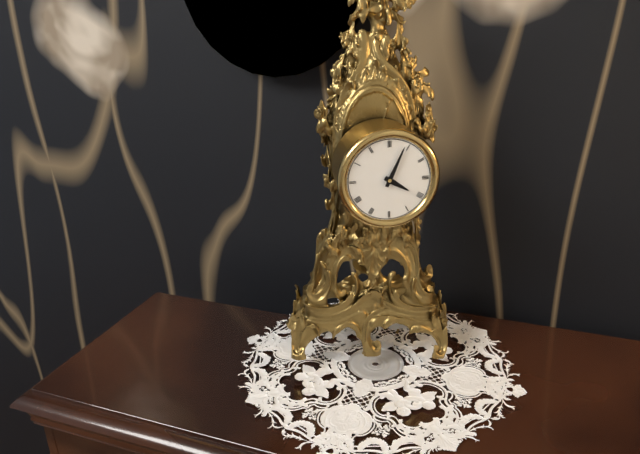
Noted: **4:04**
